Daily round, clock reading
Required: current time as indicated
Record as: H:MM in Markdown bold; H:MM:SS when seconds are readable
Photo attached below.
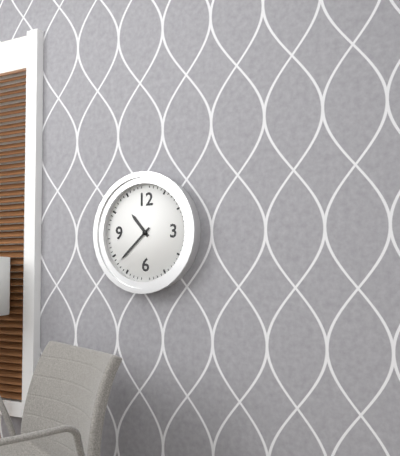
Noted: **10:38**
